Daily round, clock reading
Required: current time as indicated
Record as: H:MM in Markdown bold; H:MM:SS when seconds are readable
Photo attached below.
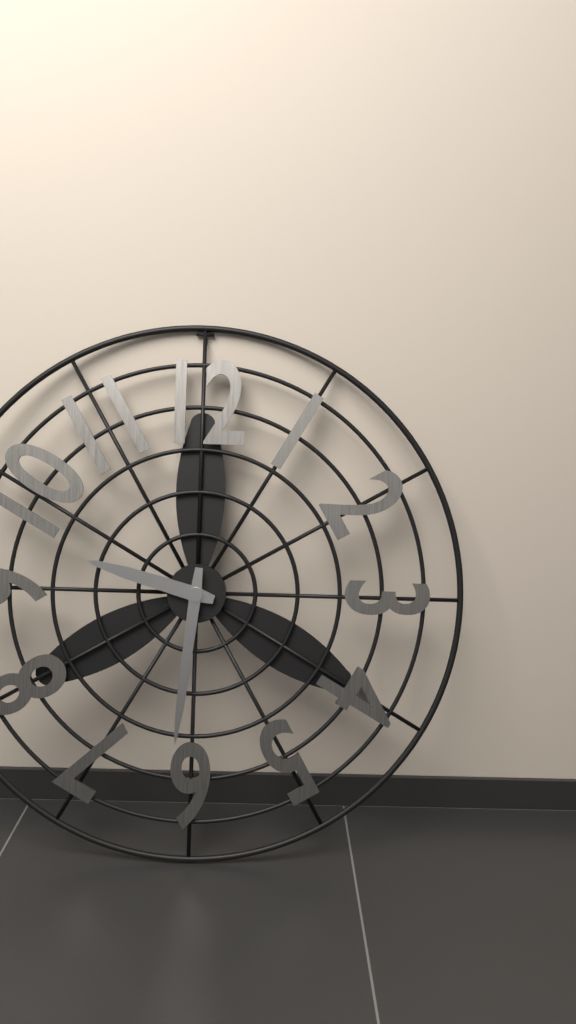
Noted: **9:31**
